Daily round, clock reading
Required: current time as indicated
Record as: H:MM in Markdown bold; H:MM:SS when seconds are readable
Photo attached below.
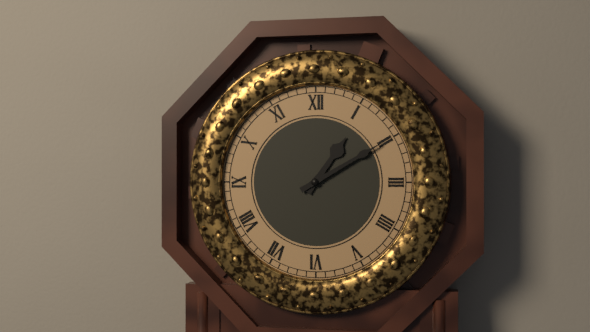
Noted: **1:10**
